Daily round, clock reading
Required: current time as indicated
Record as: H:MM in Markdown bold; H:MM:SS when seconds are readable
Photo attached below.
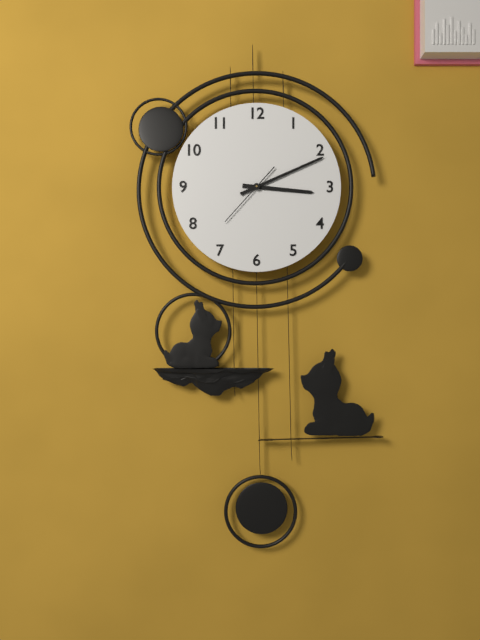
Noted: **3:11:37**
